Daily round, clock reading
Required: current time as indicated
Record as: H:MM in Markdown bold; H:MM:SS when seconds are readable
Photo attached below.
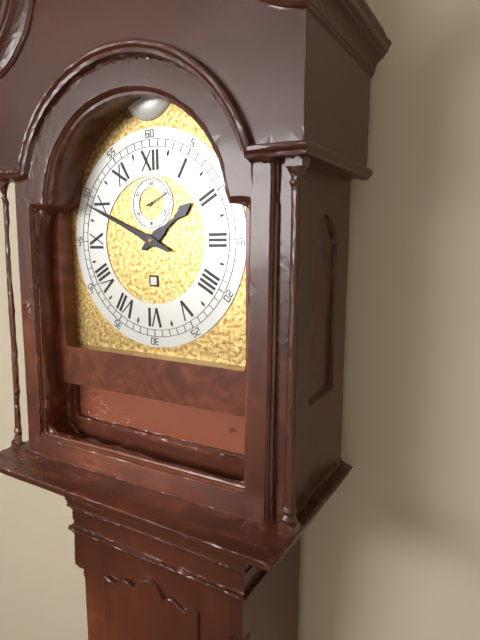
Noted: **1:49**
